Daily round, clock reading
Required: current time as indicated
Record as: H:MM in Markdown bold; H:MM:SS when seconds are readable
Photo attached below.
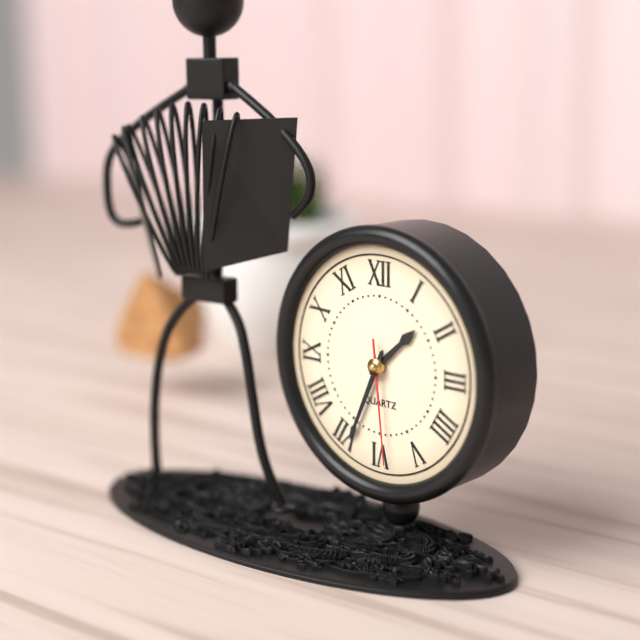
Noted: **1:34:29**
